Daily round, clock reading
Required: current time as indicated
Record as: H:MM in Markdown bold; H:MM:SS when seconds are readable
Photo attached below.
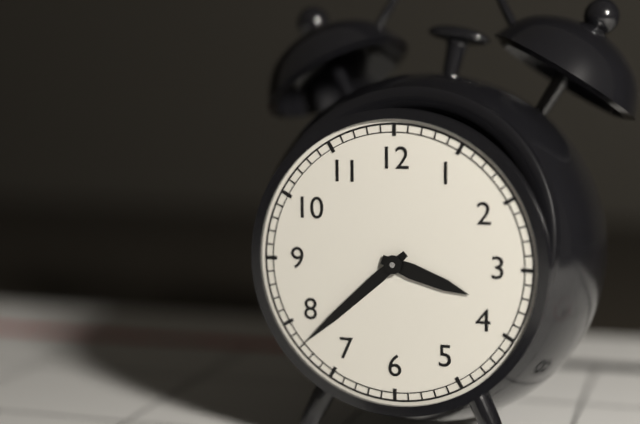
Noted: **3:38**
